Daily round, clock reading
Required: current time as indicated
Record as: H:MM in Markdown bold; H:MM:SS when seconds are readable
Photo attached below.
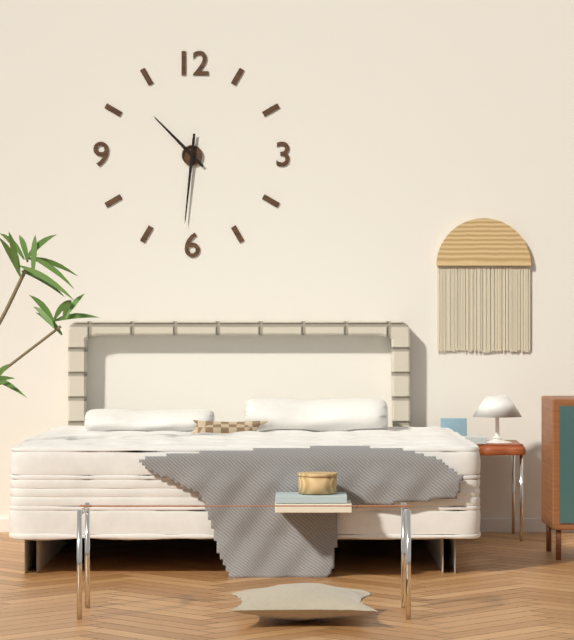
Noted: **10:31**
